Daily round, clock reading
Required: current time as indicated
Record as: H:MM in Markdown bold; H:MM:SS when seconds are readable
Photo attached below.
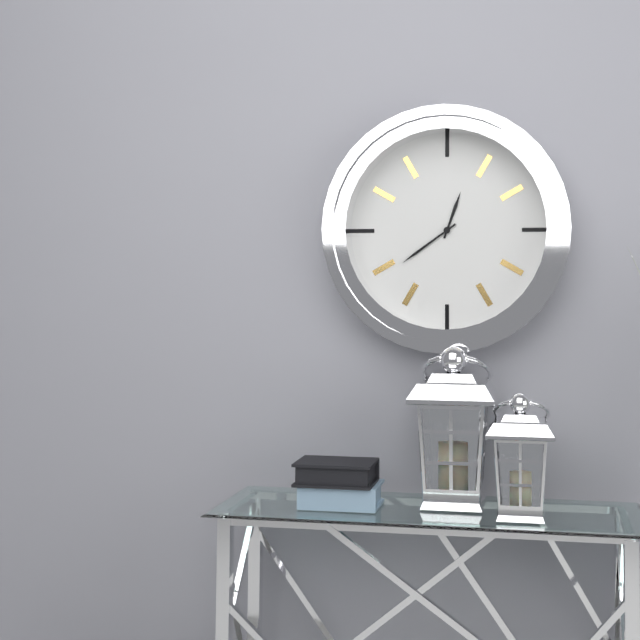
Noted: **12:39**
